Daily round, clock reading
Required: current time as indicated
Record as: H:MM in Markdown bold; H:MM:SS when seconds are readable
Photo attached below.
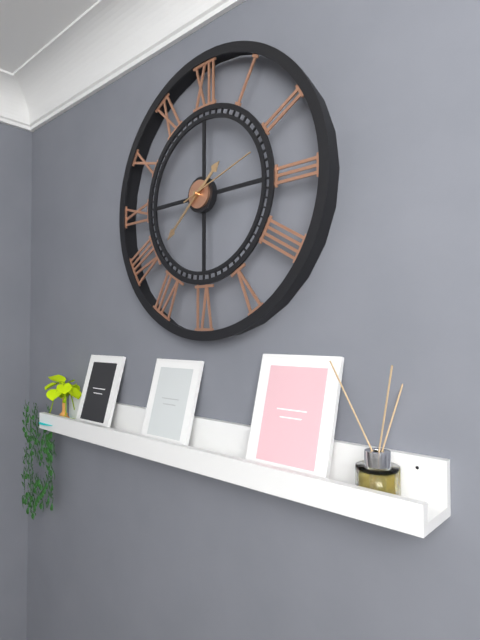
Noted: **1:38:12**
